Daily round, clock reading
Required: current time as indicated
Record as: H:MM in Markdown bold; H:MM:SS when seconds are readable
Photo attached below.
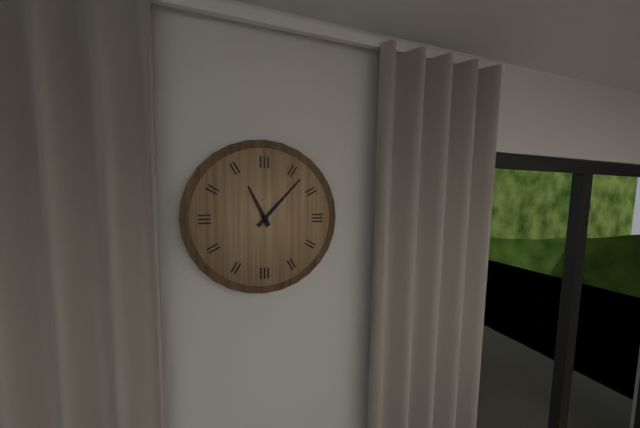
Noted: **11:07**
